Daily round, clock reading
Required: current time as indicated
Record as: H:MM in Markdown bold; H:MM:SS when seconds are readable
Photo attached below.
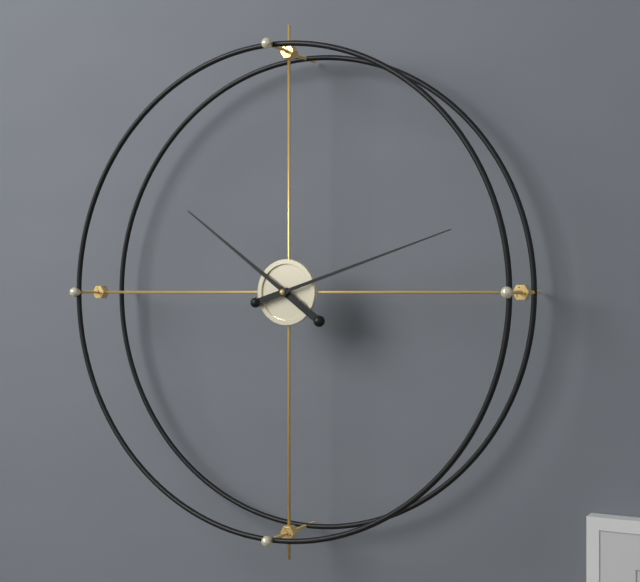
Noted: **10:12**
